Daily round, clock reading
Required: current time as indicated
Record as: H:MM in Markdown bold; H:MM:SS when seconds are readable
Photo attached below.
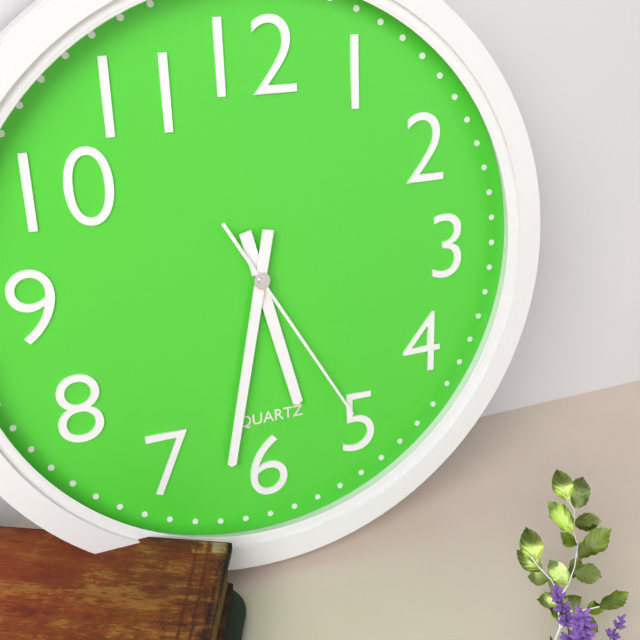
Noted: **5:32:25**
